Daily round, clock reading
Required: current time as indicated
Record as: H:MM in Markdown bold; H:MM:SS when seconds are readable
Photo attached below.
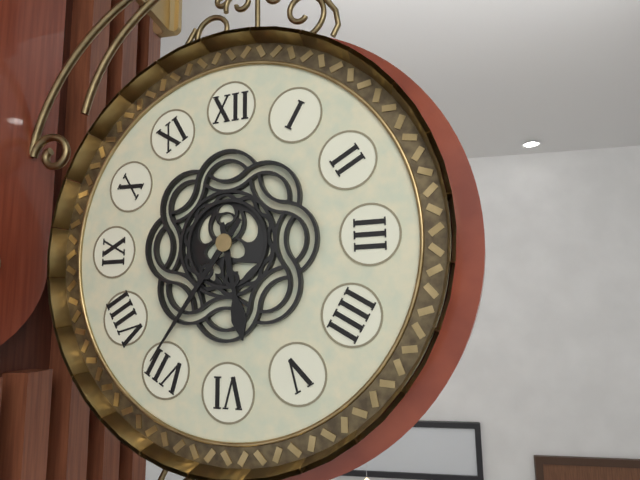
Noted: **5:36**
